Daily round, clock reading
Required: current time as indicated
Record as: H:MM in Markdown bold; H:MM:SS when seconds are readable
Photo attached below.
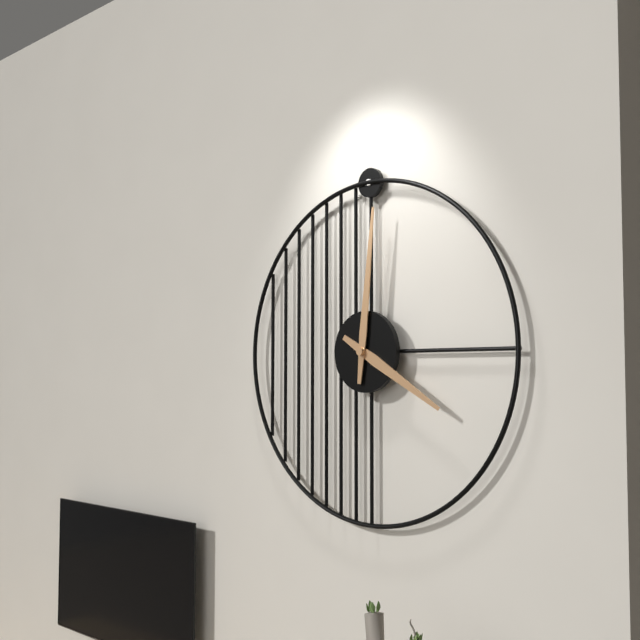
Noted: **4:01**
